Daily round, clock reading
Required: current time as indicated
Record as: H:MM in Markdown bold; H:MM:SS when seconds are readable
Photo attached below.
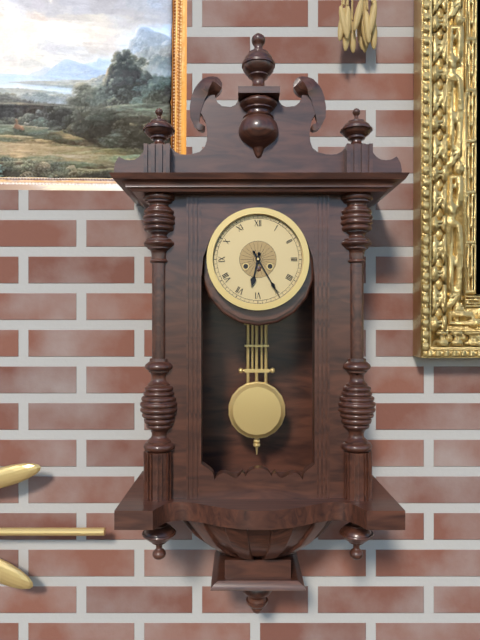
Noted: **6:25**
